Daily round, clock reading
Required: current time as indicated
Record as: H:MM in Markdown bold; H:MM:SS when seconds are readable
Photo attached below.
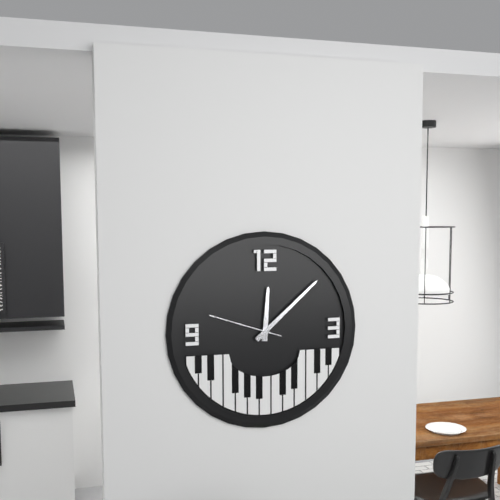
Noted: **12:08:48**
